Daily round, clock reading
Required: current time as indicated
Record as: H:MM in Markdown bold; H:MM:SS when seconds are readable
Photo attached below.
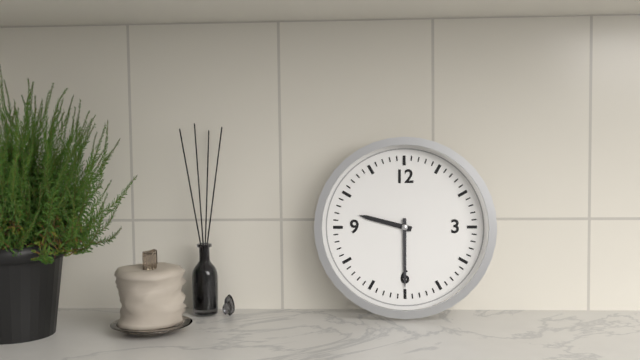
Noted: **9:30**
